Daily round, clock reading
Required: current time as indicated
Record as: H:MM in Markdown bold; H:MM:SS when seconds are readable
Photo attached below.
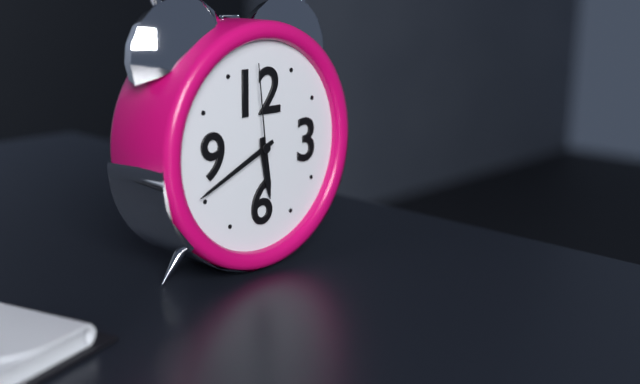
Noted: **5:41:59**
